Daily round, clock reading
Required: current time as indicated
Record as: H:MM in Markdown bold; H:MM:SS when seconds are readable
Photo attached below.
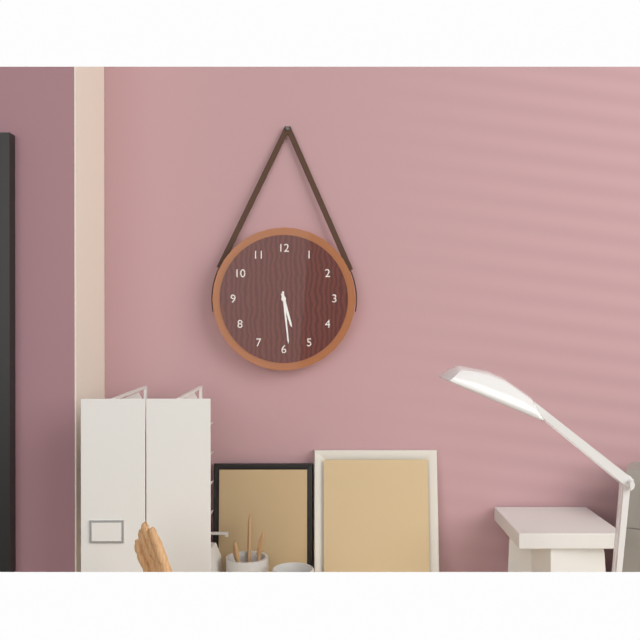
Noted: **5:29**
